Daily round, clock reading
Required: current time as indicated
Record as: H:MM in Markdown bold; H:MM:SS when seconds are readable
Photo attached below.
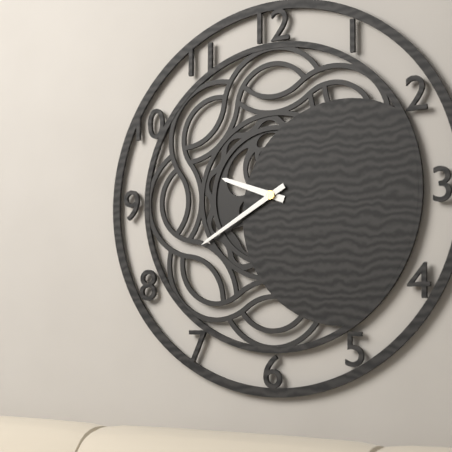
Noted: **9:40**
